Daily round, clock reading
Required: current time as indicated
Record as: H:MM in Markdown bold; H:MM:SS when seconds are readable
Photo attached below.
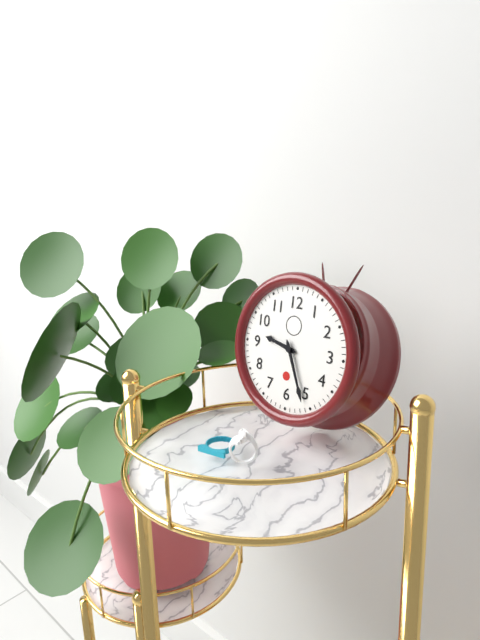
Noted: **9:26**
